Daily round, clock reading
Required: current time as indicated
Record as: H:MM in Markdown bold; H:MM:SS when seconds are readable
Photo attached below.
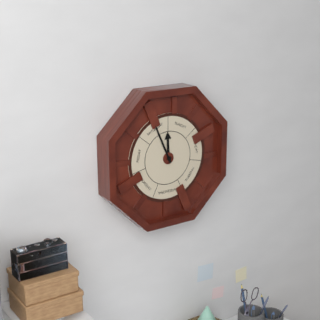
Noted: **11:56**
